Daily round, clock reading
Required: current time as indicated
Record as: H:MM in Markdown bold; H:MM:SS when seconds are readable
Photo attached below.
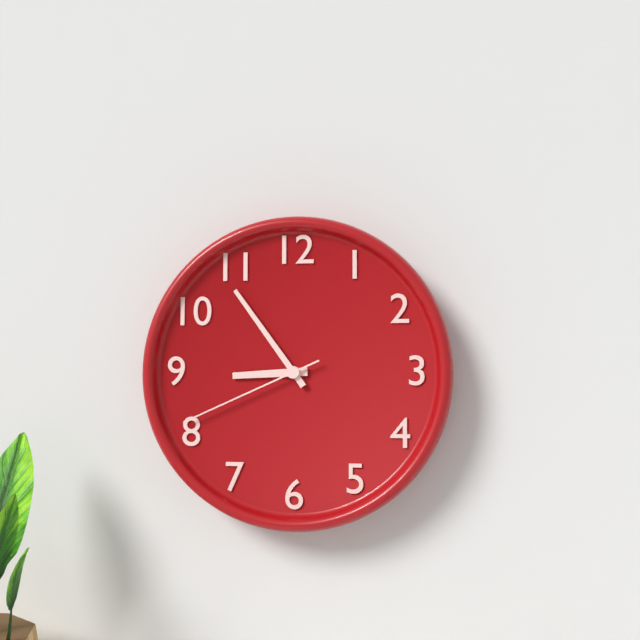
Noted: **8:54:41**
